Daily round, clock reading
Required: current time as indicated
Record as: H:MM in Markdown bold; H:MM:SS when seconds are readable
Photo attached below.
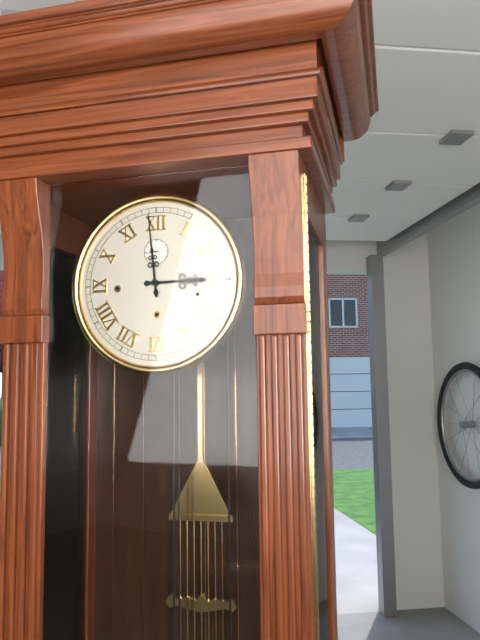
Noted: **2:59**
